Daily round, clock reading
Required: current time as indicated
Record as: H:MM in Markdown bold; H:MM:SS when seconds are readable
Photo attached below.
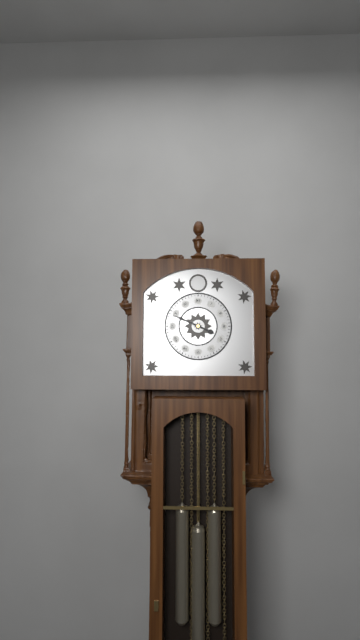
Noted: **3:49**
